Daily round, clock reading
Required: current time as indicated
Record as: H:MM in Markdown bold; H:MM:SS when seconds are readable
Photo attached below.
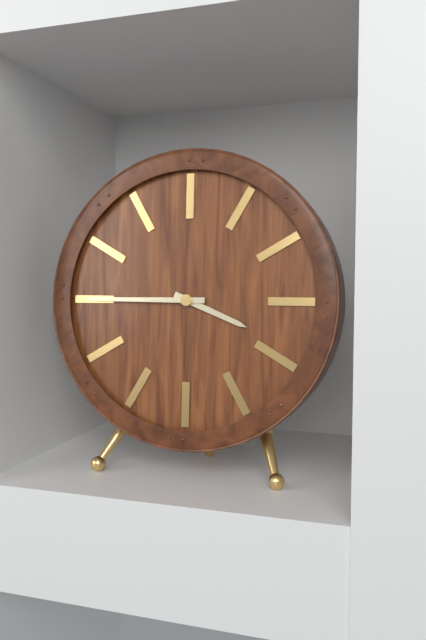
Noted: **3:45**
